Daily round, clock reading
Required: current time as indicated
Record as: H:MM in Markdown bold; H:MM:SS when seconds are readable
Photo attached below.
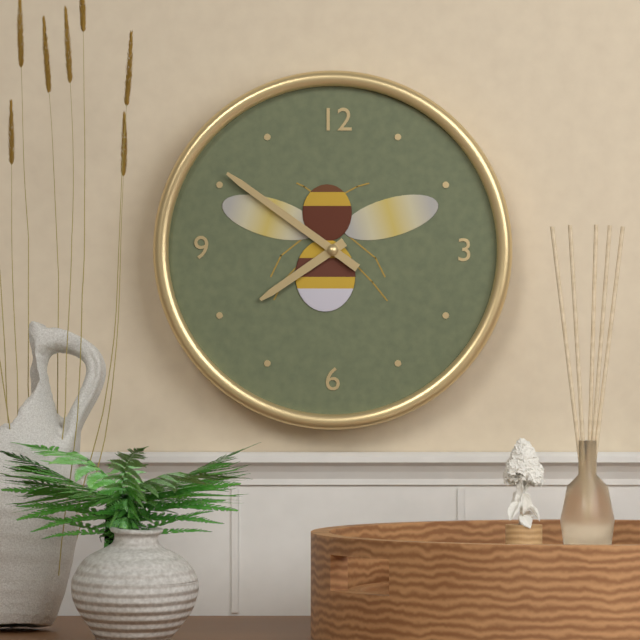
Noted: **7:51**
